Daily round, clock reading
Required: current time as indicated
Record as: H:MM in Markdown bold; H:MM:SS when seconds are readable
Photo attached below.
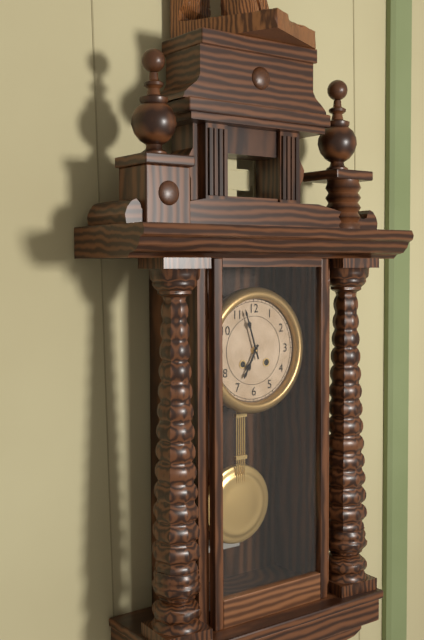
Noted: **6:57**
